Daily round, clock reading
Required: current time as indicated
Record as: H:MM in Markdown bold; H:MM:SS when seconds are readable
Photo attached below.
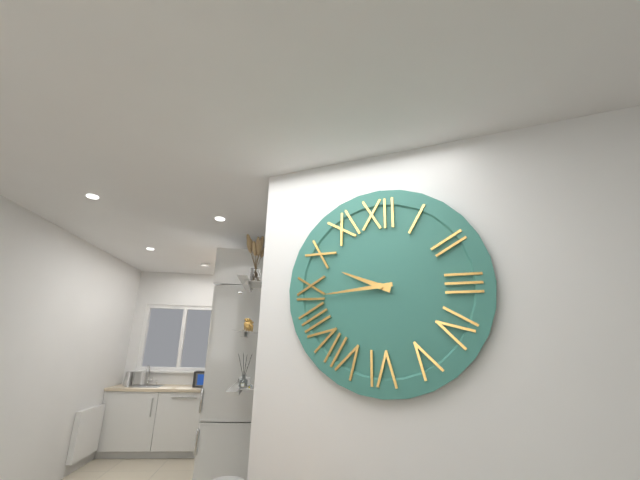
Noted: **9:44**
